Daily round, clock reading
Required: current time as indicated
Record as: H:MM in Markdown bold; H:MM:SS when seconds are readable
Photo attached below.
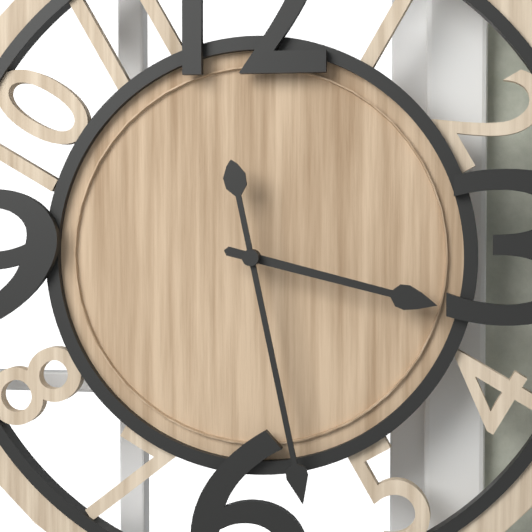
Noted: **3:28**
